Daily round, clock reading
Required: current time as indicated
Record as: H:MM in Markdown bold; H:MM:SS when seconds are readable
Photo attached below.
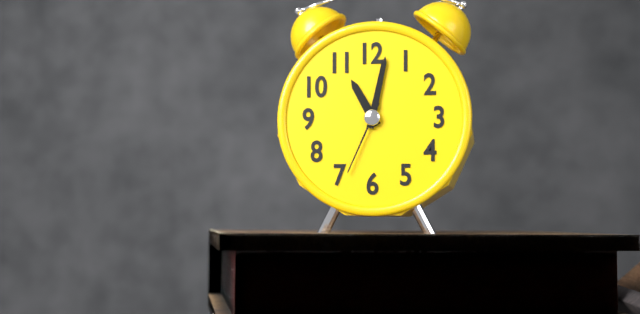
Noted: **11:02:34**
